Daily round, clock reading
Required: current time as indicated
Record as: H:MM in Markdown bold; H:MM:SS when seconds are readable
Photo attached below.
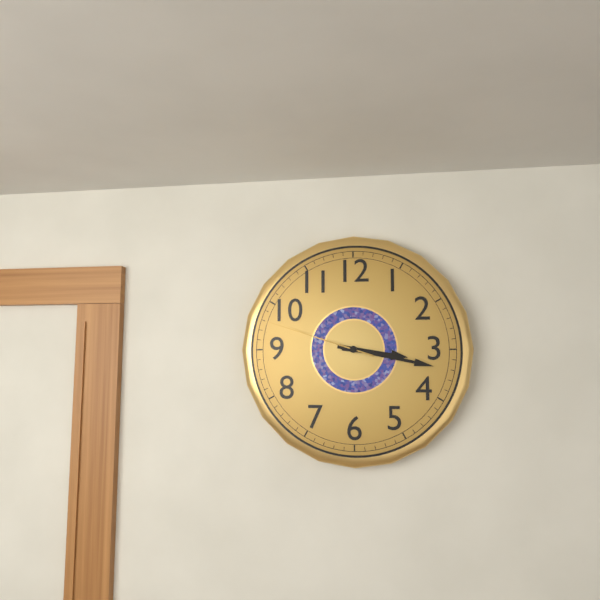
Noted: **3:17:48**
